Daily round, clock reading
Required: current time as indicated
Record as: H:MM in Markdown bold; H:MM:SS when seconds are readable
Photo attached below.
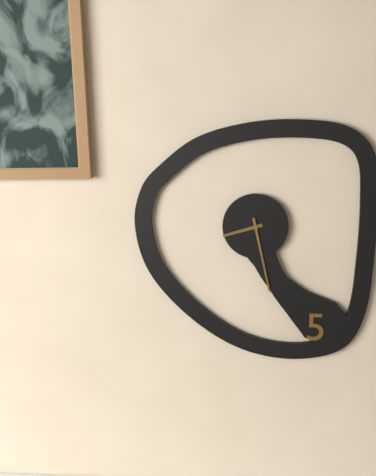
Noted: **8:28**
